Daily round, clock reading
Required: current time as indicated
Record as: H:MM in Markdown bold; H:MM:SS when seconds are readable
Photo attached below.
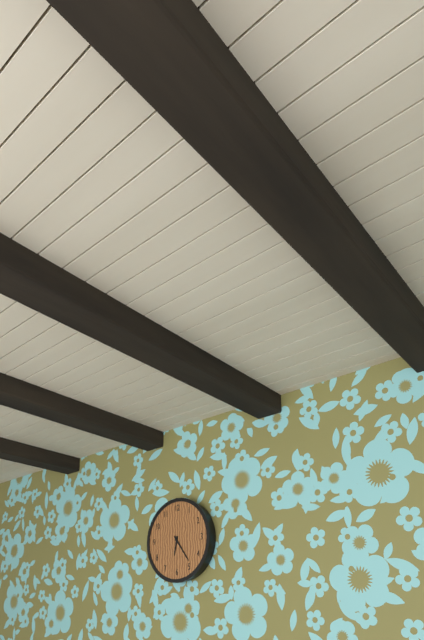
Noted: **6:24**
